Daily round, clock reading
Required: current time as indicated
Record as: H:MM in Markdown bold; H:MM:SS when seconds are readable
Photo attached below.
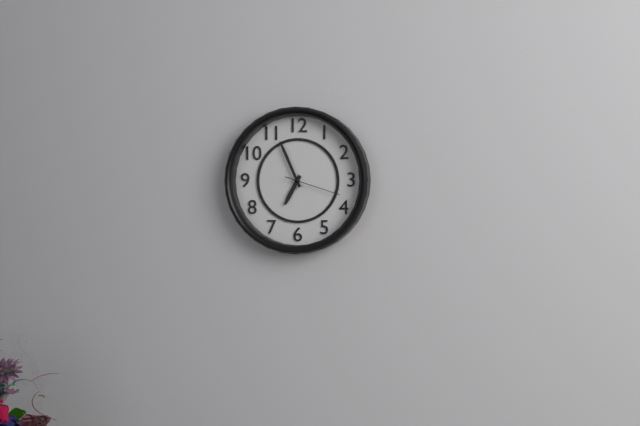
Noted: **6:56:18**
